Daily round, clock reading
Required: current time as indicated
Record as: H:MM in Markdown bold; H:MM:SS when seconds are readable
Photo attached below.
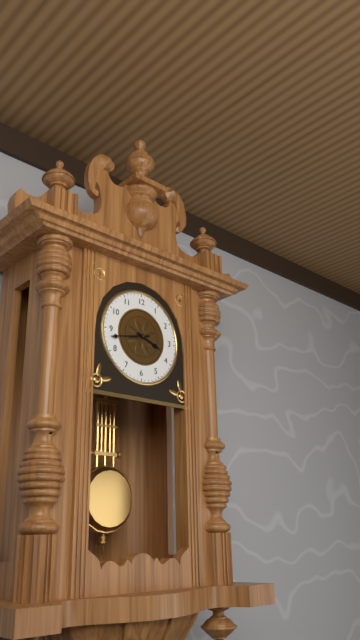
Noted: **3:43**
